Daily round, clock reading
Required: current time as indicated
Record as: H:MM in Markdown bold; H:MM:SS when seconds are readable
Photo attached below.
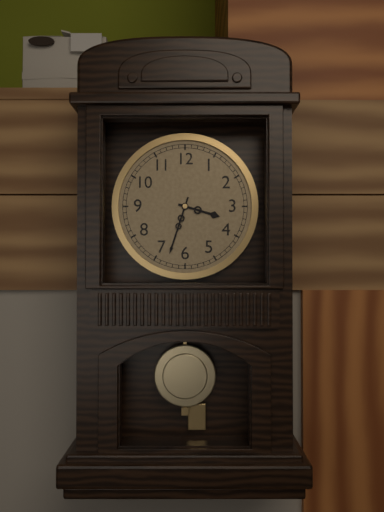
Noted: **3:33**
